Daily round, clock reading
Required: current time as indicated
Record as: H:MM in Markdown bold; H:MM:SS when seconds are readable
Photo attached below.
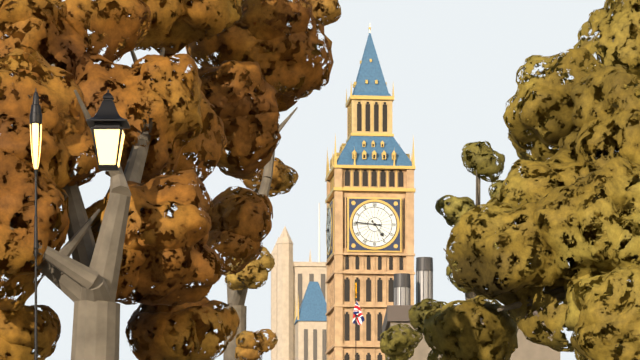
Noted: **4:46**
